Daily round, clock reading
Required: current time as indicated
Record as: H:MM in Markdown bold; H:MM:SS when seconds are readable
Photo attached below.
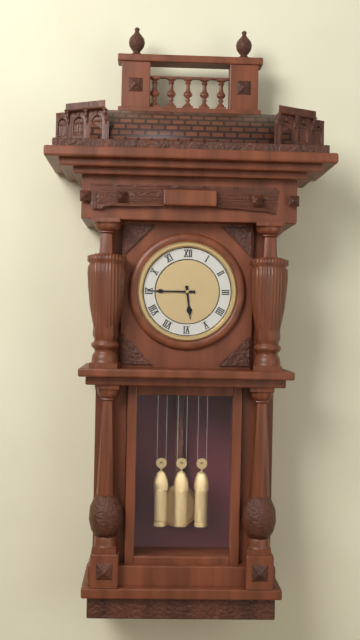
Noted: **5:45**
